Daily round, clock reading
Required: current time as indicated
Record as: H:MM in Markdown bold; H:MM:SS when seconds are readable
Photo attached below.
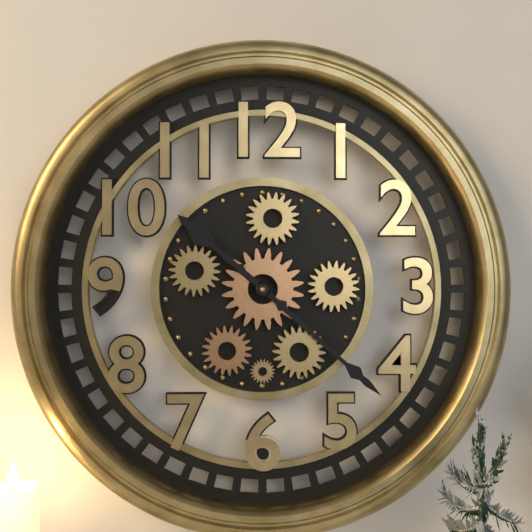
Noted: **10:22**
